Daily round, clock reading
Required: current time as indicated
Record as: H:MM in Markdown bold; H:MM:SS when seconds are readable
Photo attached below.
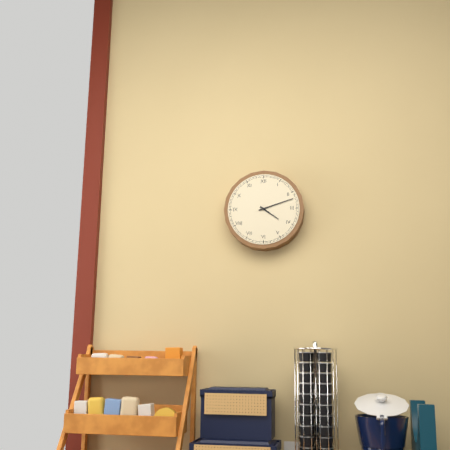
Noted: **4:12**
